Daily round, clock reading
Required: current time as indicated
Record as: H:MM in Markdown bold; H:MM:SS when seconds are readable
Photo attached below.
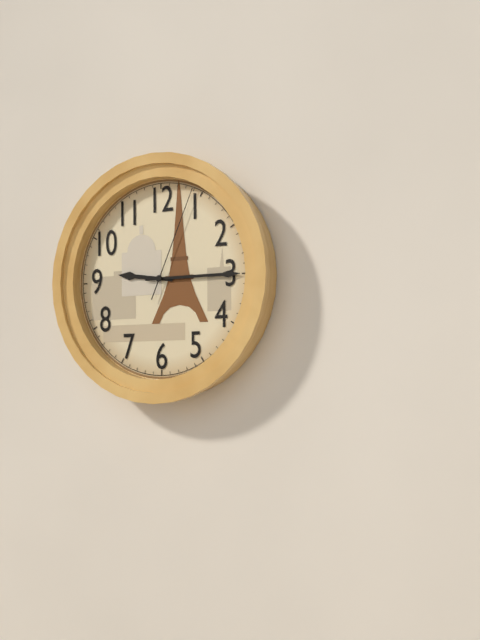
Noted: **9:15:04**
